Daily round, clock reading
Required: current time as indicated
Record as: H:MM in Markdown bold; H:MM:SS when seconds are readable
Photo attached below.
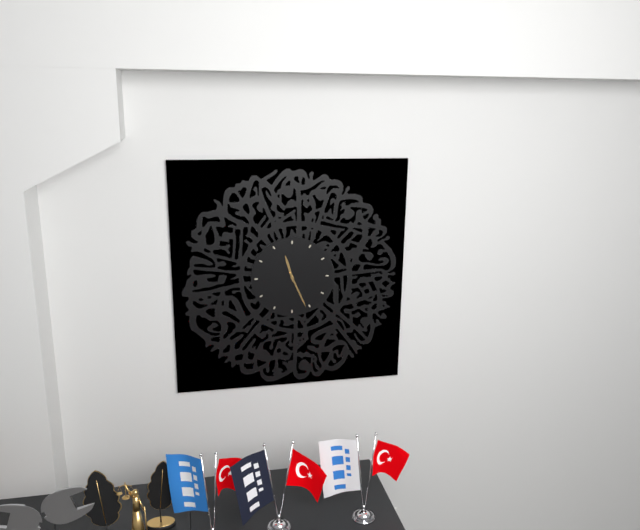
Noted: **11:26**
